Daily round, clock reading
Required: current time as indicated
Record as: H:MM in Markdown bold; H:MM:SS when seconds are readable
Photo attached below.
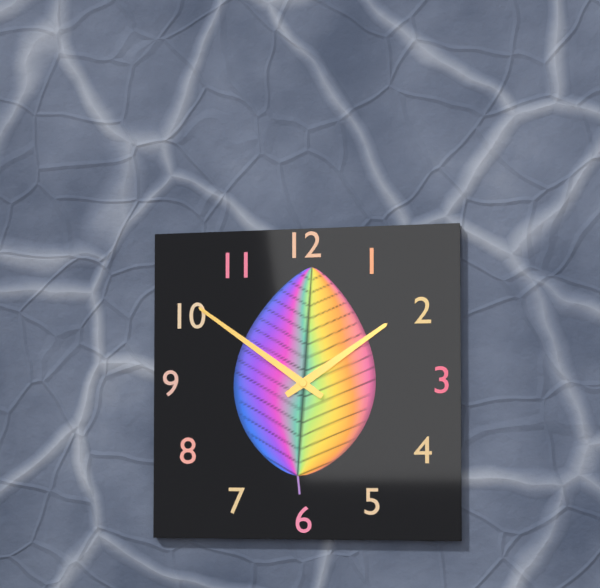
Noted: **1:51**
